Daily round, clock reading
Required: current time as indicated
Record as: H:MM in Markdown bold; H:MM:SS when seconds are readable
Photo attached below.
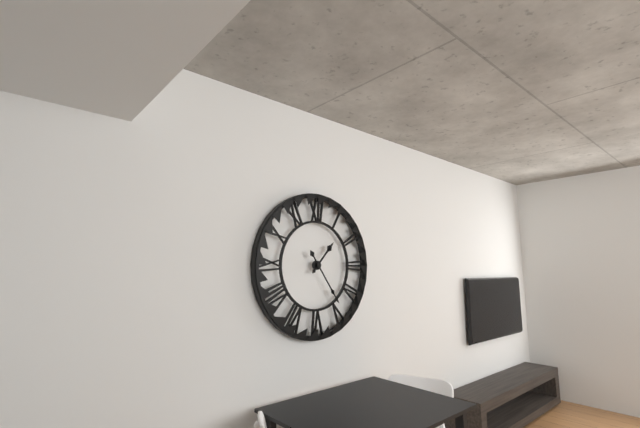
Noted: **1:24**
